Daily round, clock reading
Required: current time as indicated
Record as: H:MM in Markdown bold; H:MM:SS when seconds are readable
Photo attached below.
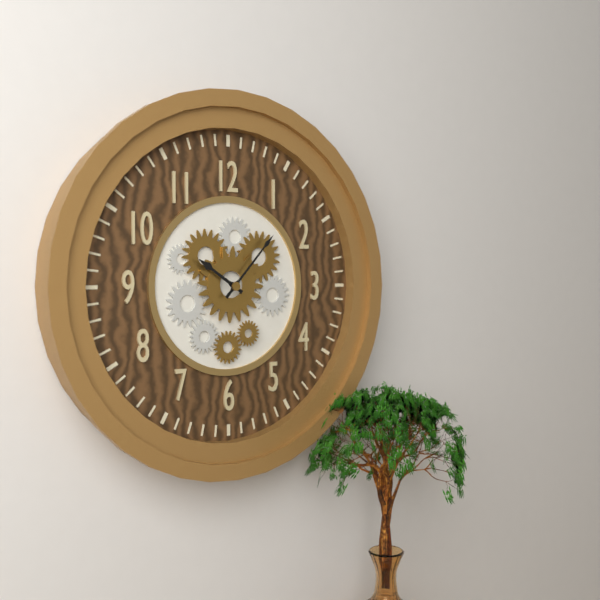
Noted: **10:07**
